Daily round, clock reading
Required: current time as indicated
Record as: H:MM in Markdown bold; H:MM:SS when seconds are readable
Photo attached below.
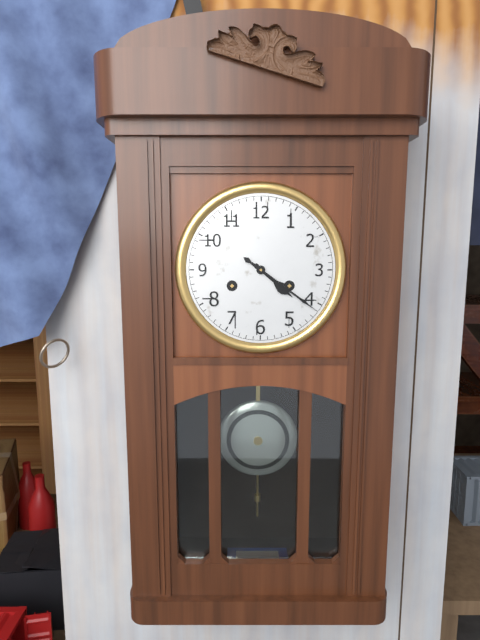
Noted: **4:21**
